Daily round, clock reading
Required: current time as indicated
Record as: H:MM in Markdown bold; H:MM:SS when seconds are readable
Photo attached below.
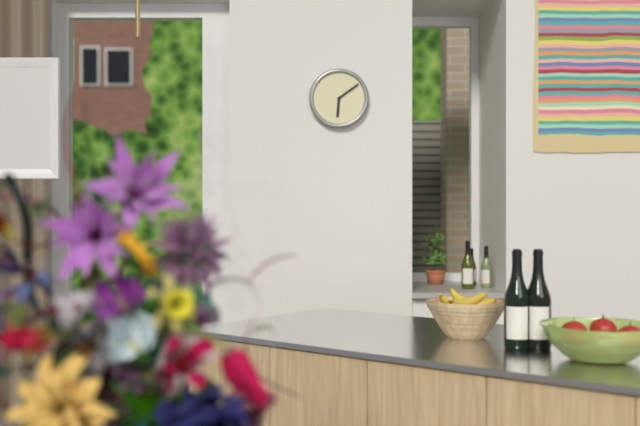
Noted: **6:09**
